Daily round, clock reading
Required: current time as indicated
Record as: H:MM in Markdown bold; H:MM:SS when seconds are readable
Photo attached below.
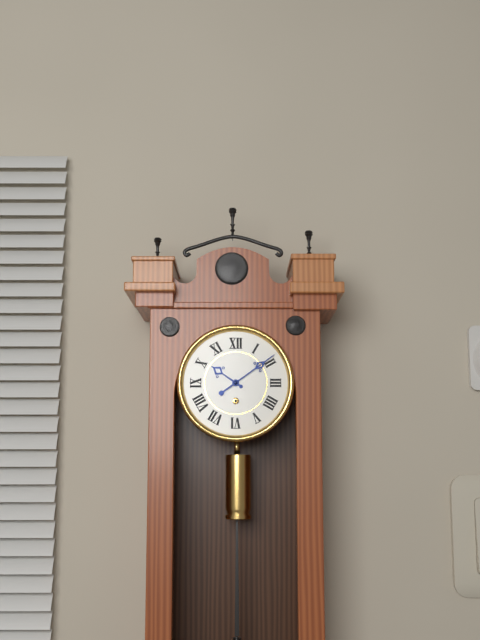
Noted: **10:09**
